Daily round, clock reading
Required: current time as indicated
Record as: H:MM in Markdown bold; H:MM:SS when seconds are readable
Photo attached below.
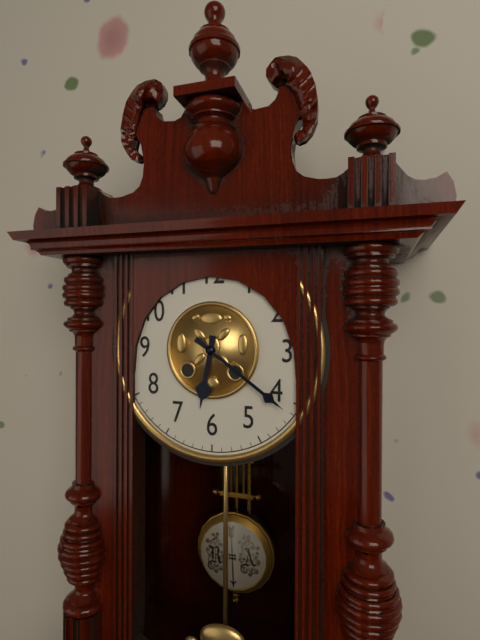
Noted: **6:21**
